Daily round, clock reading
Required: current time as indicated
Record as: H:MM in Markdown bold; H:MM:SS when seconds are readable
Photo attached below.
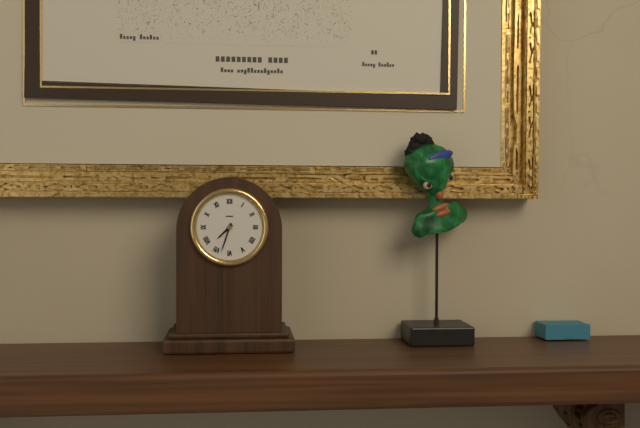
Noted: **7:33**
